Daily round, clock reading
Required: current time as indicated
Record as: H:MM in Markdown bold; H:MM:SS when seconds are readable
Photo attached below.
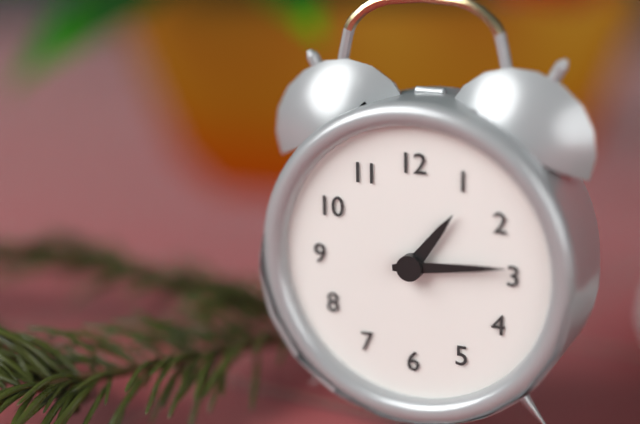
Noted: **1:14**
